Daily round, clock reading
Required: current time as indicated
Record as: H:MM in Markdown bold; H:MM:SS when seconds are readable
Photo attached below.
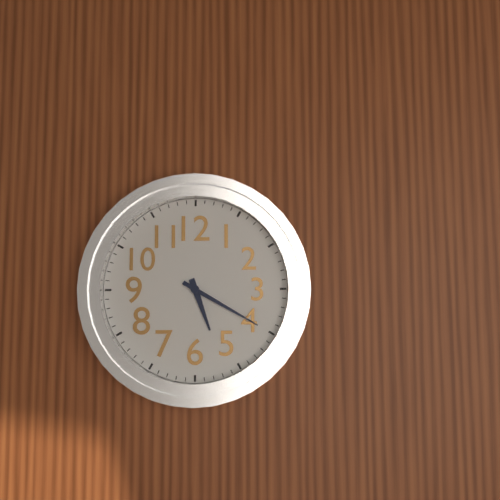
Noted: **5:20**
